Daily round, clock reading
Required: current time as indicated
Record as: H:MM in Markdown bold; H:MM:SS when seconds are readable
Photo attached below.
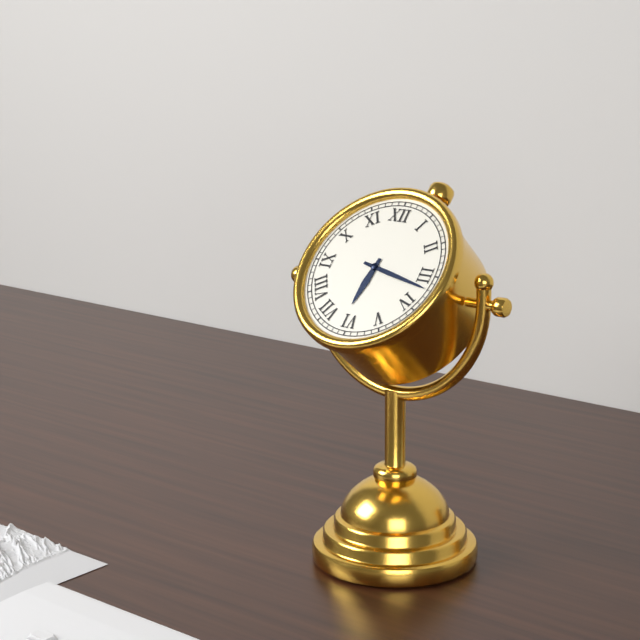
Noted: **6:17**
